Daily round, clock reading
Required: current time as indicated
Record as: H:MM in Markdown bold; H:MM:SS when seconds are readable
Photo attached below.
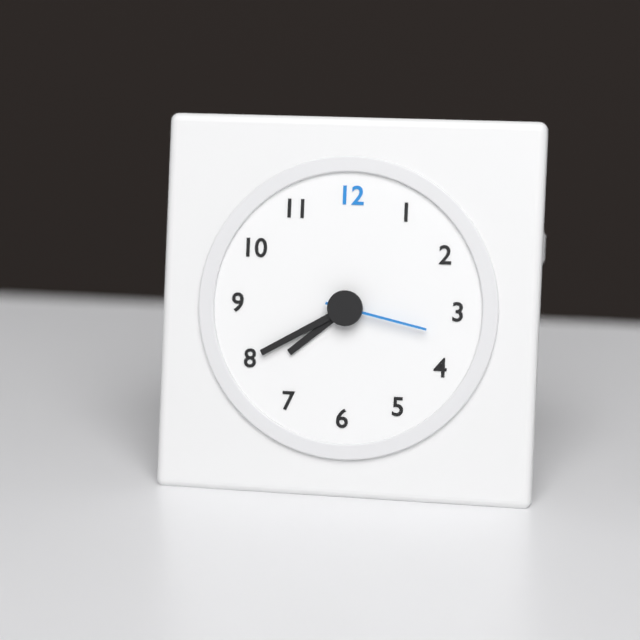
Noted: **7:40:17**
